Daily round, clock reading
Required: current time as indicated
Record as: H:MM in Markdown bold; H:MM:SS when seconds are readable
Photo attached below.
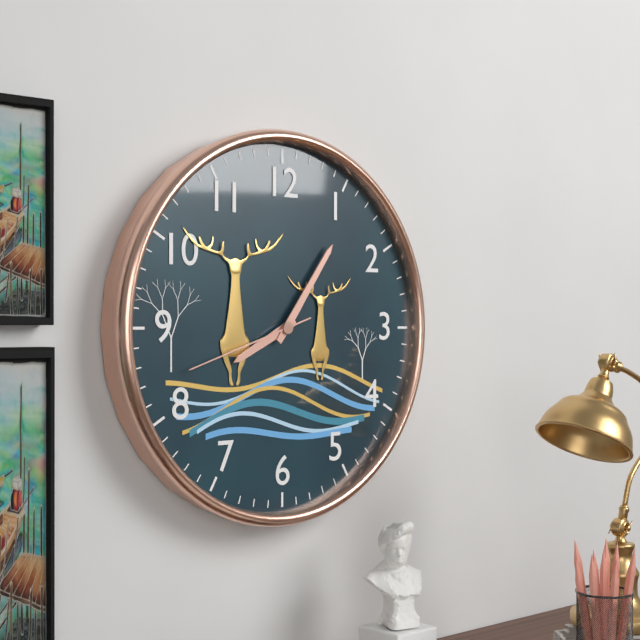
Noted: **8:06:42**
